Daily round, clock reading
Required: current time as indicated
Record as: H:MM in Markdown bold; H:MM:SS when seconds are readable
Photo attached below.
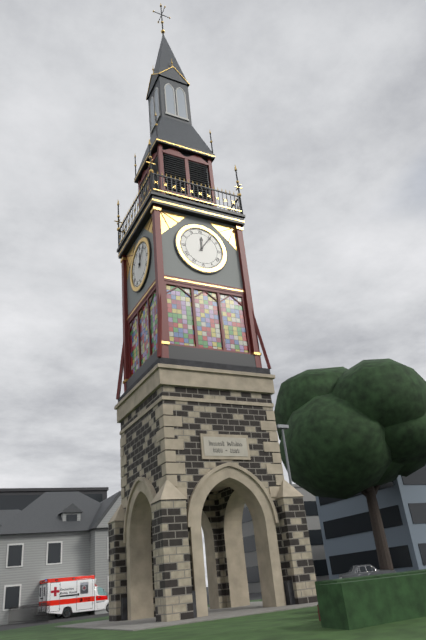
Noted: **12:06**
